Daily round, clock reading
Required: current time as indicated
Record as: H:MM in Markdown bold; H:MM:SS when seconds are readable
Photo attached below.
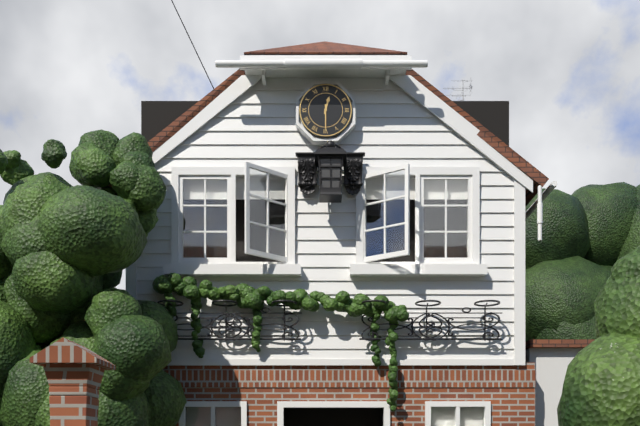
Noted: **12:30**
